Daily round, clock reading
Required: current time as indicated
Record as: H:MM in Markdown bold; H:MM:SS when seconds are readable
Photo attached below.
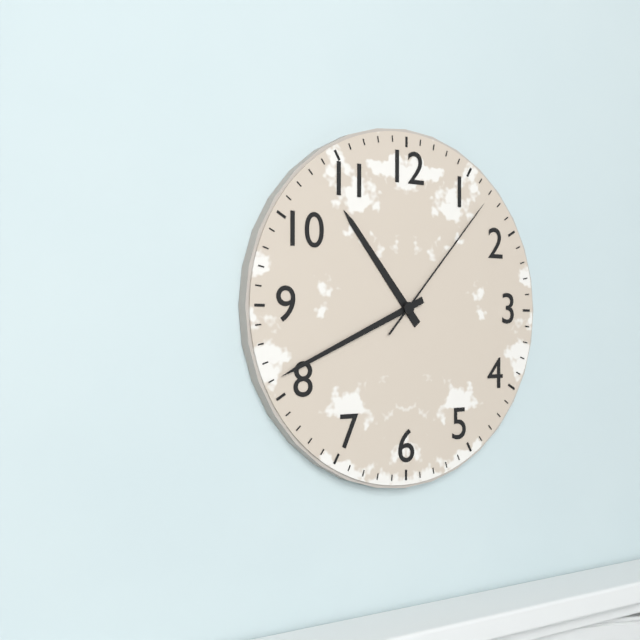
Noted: **10:41:07**
